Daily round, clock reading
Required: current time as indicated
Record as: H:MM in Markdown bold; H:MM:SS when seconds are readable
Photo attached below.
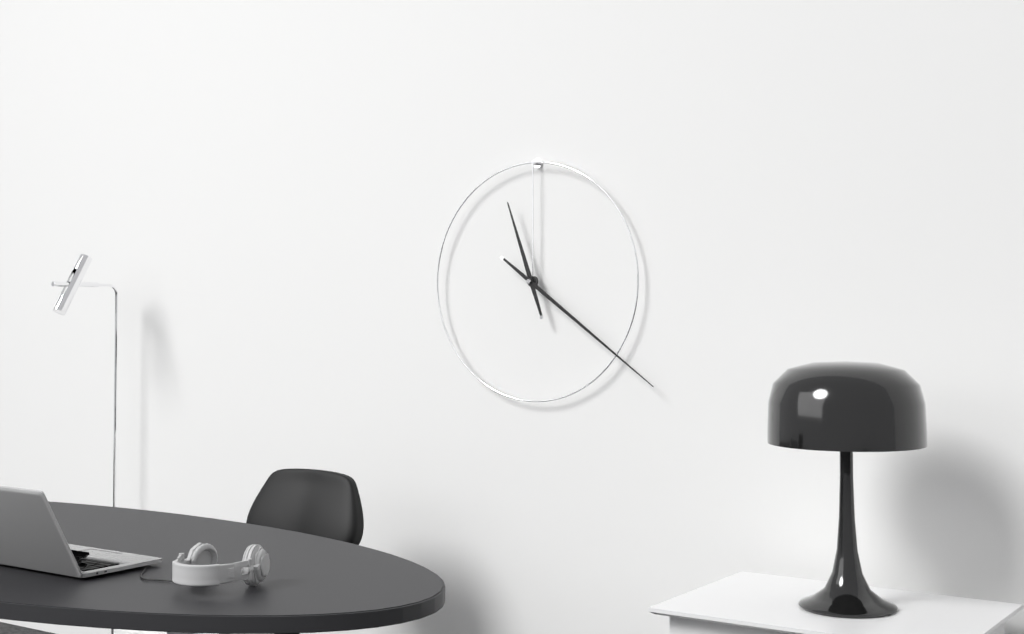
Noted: **11:21**
